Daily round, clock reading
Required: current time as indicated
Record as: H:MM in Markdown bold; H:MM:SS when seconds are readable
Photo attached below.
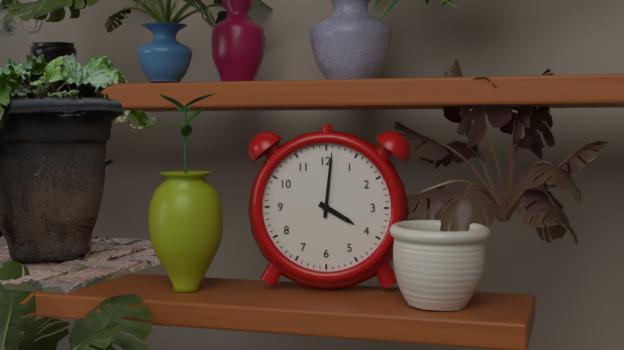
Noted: **4:01**
